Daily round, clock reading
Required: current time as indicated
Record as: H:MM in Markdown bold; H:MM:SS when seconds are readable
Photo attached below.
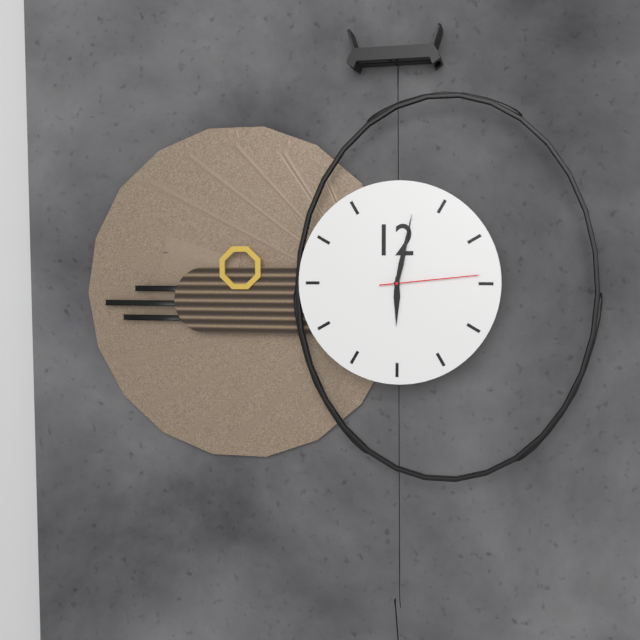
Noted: **6:02:14**
